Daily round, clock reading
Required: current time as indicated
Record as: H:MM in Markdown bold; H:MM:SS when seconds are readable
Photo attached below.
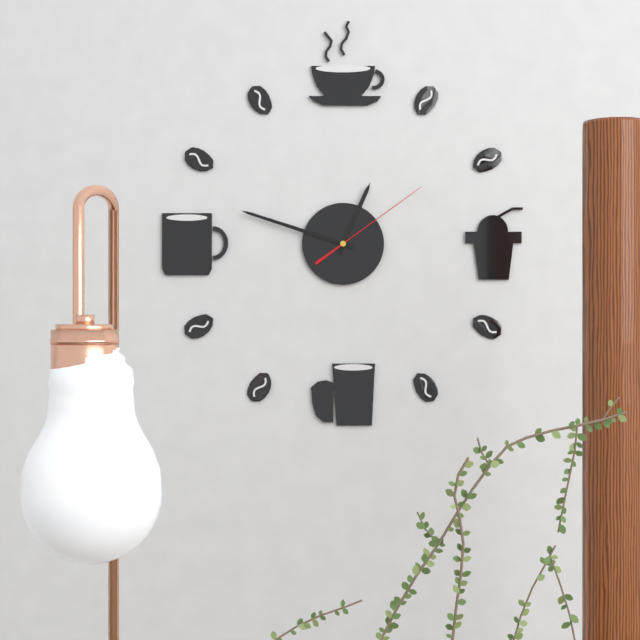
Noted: **12:48:09**
